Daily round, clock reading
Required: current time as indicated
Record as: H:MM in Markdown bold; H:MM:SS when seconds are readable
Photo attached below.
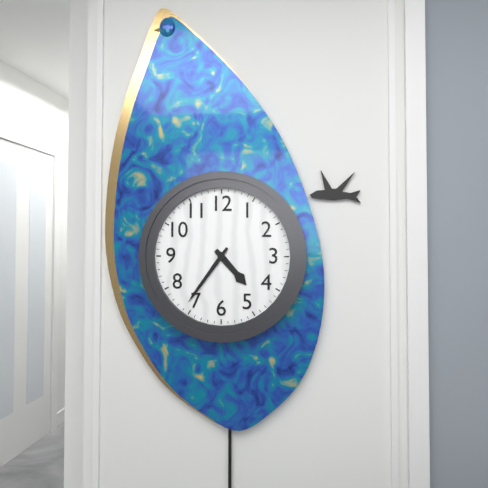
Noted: **4:36**
